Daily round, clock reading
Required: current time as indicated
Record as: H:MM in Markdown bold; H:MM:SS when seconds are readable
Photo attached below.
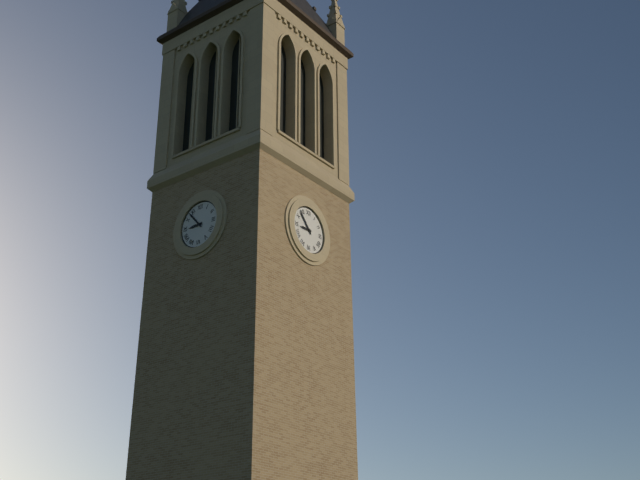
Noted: **8:53**
